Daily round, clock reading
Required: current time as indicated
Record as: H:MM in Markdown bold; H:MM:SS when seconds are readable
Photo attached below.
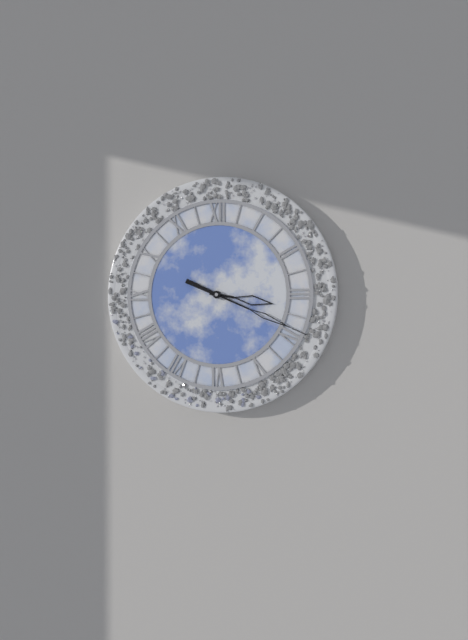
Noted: **3:19**
